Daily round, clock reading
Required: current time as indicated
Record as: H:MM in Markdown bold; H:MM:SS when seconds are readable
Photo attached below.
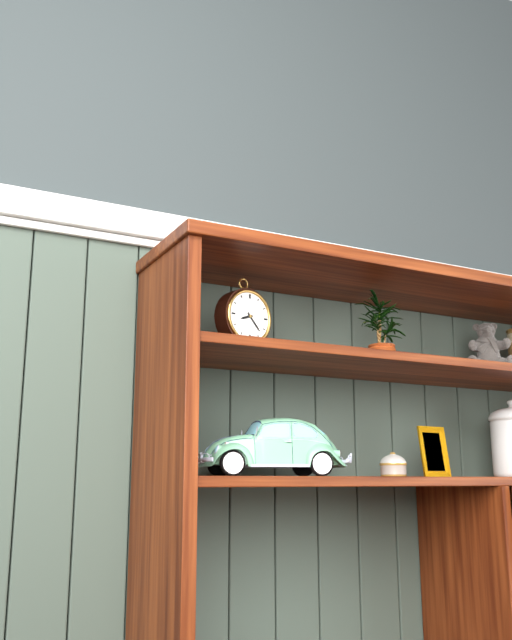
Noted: **8:23**
